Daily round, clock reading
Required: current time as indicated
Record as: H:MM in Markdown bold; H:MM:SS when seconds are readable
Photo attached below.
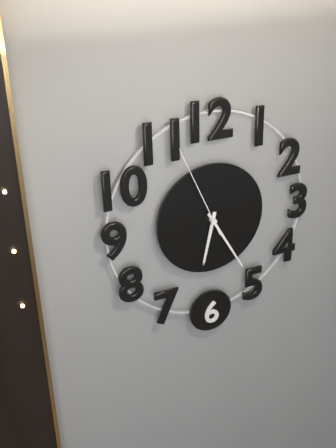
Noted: **6:25:56**
